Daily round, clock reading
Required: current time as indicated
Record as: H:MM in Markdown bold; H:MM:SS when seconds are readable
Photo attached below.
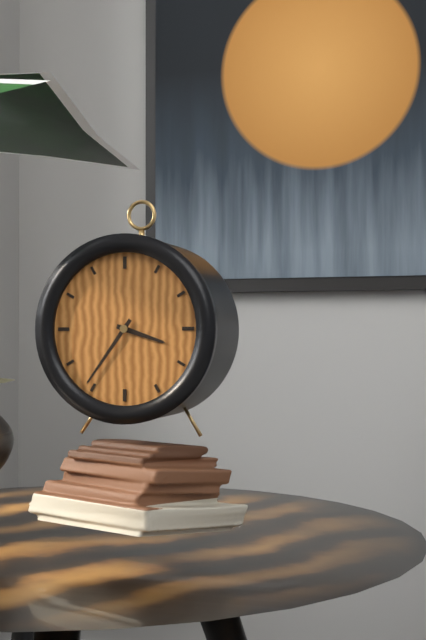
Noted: **3:36**
